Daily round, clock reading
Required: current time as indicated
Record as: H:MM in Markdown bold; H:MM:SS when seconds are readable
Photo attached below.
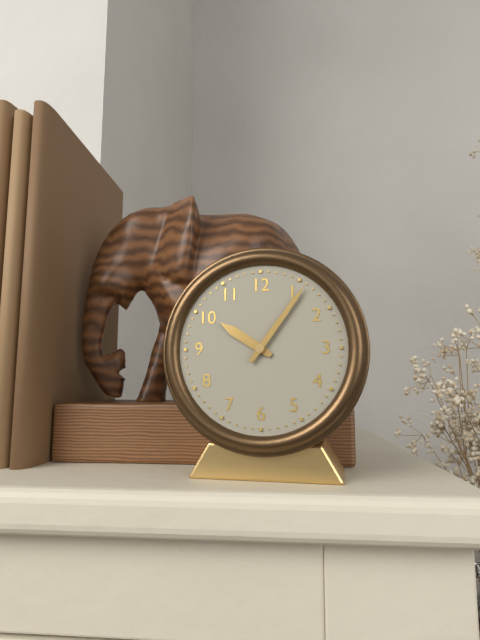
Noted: **10:06**
